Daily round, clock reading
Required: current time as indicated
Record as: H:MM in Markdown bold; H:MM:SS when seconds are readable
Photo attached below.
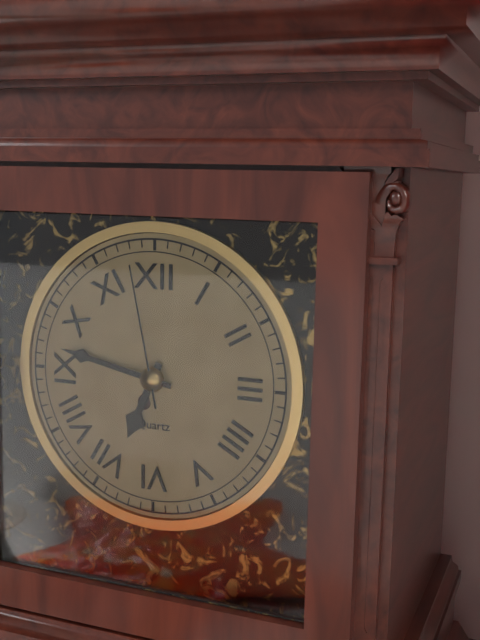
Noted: **6:47:58**
